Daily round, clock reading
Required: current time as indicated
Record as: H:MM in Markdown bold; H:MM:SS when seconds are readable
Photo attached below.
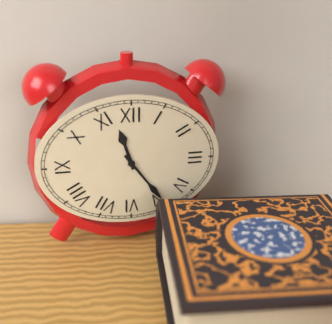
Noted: **11:24**
